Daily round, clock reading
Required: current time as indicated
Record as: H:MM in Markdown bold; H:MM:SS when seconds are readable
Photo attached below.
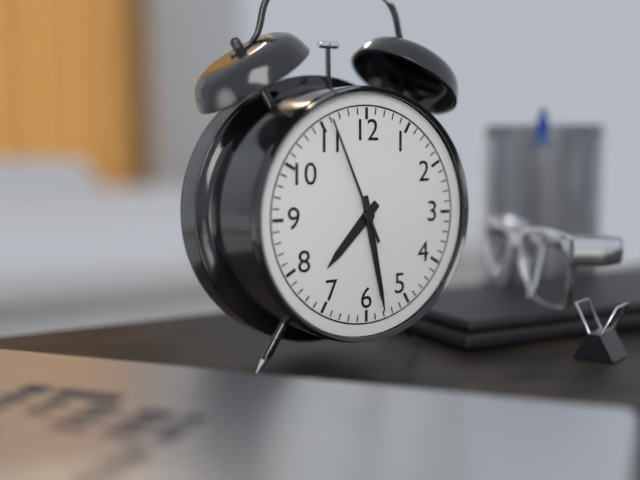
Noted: **7:28:56**
